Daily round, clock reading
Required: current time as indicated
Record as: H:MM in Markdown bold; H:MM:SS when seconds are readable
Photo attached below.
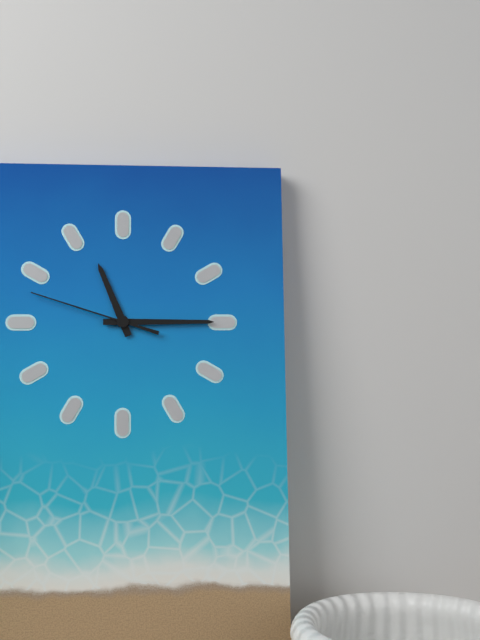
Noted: **11:15:48**
